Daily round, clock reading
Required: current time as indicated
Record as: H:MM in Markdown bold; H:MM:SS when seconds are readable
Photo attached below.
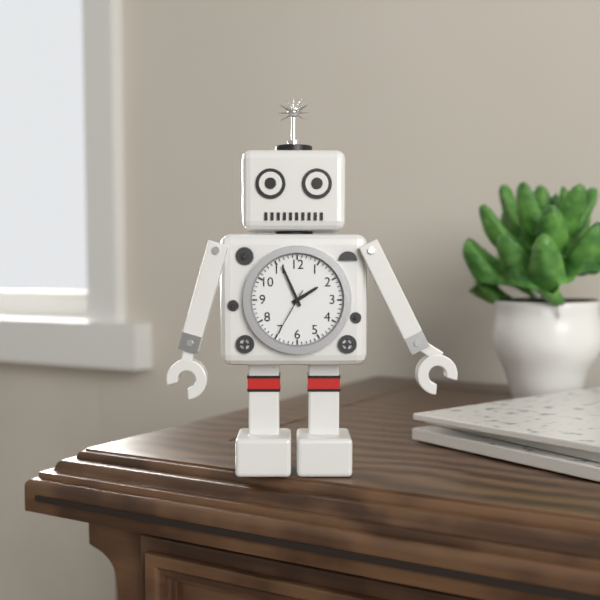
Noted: **1:56:35**
